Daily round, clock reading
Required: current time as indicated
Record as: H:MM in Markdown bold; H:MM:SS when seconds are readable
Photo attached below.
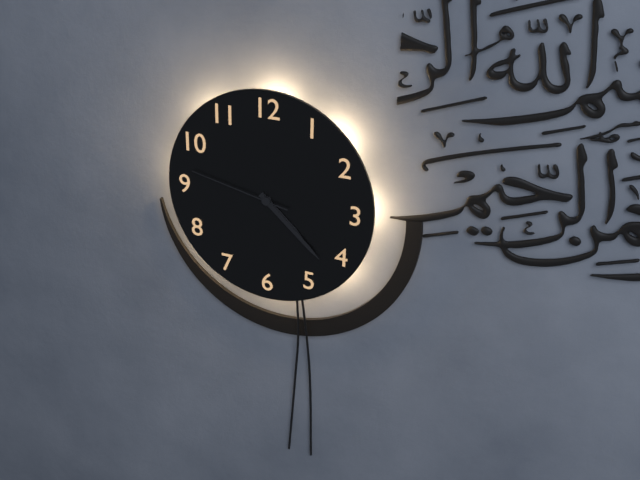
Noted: **4:22:47**
